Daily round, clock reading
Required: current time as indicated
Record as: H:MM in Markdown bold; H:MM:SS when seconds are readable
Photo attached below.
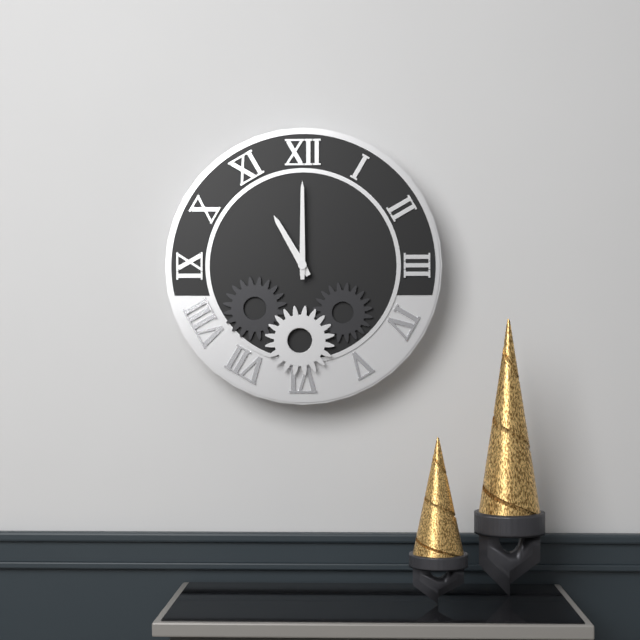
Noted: **11:00**
